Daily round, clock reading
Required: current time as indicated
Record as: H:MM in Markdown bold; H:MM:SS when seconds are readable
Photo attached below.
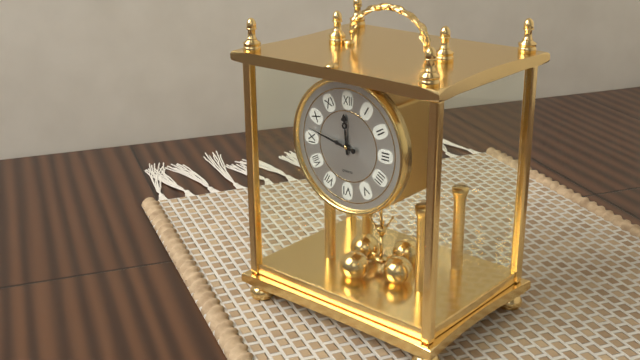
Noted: **11:47**
